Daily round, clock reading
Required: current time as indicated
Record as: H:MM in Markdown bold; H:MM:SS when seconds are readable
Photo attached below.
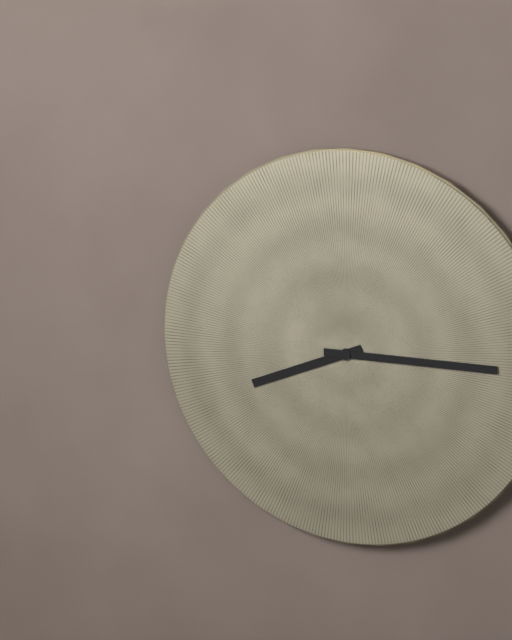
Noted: **8:15**
